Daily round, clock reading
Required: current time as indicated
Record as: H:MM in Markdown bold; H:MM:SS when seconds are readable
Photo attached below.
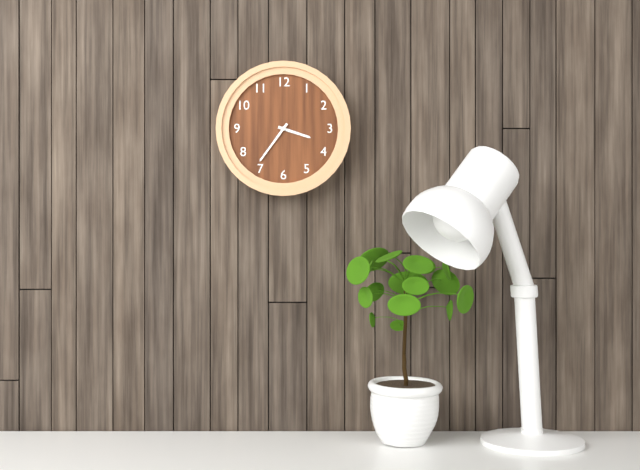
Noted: **3:36**
